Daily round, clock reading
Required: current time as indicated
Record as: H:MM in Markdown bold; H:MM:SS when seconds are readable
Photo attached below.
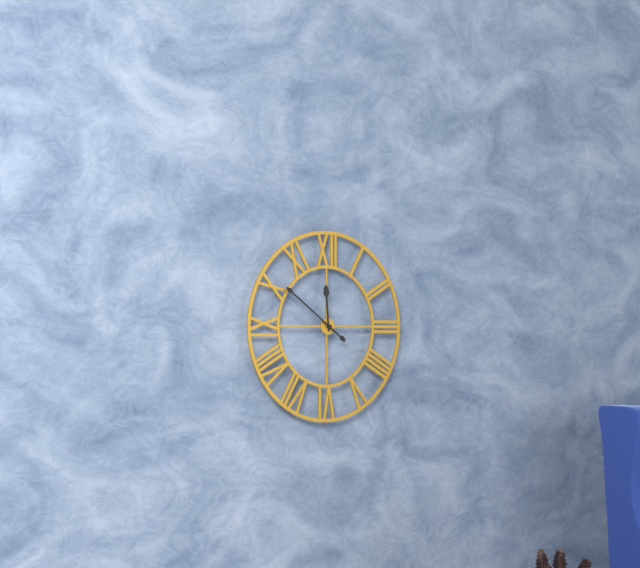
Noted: **11:51**
